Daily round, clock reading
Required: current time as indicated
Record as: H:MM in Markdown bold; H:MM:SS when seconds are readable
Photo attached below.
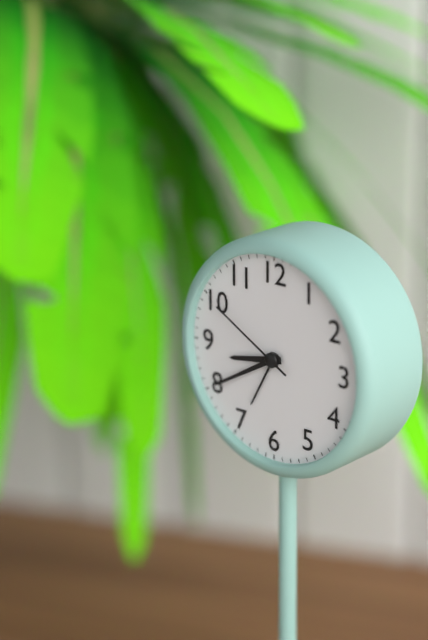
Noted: **8:40:50**
